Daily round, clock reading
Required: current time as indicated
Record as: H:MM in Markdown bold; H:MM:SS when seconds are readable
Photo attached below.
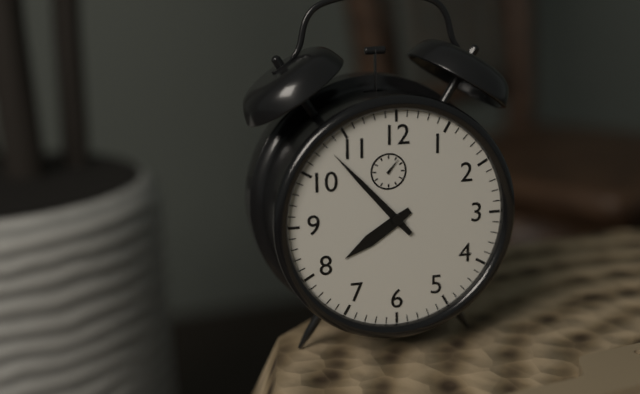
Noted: **7:53**
